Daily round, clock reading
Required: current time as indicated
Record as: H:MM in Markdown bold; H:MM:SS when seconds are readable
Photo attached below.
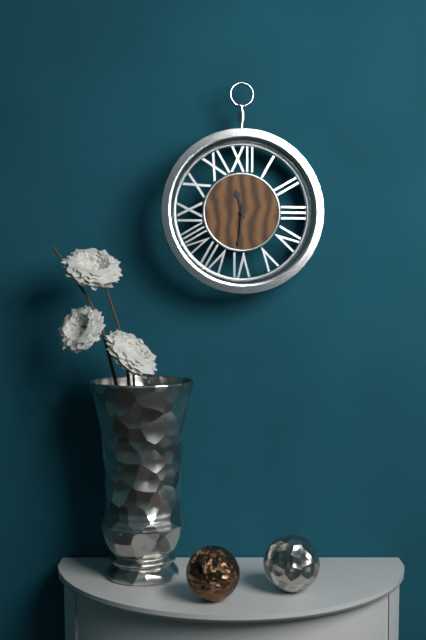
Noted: **11:31**
